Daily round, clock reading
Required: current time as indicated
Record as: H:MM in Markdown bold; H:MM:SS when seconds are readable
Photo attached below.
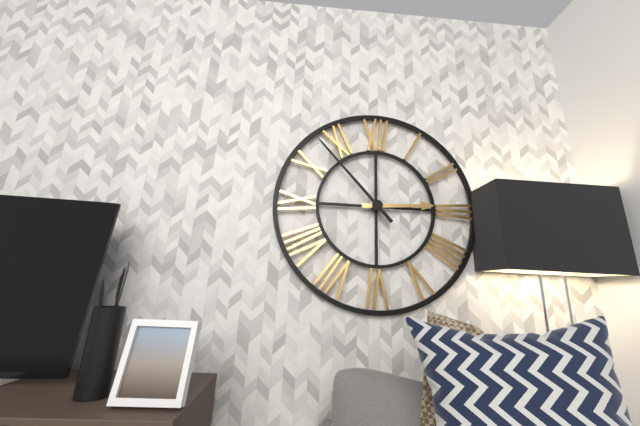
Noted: **2:53**
